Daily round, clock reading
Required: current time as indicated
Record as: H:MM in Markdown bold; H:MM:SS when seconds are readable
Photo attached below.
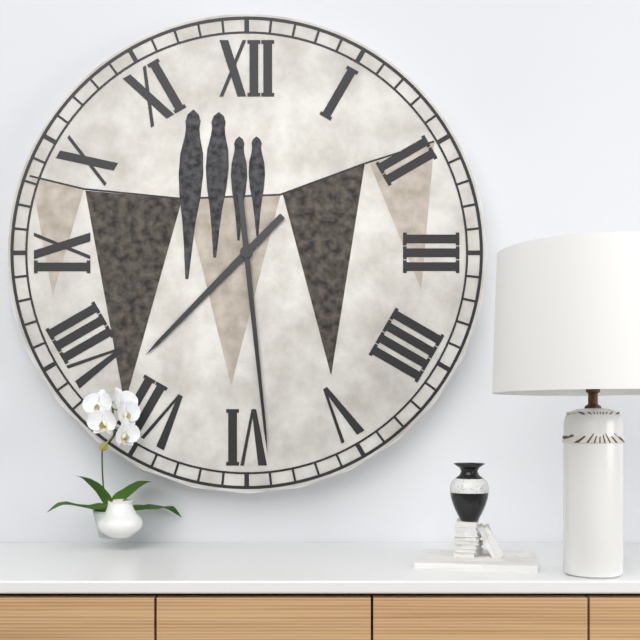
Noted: **7:29**
